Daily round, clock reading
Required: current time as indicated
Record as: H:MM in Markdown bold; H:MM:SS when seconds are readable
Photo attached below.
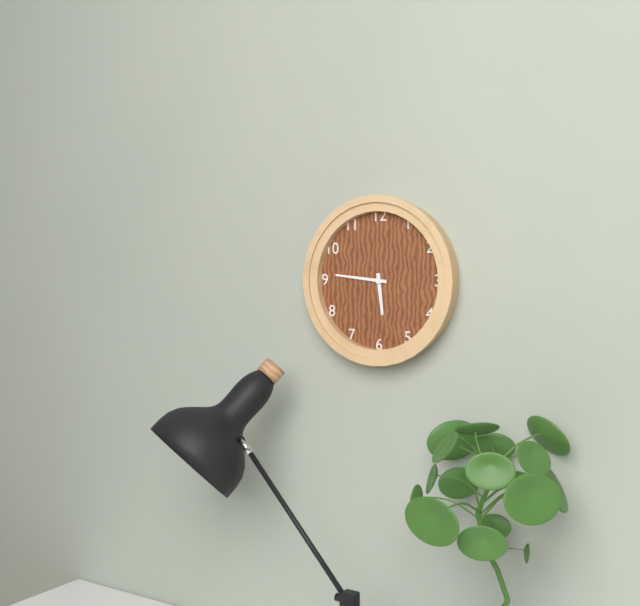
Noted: **5:46**
